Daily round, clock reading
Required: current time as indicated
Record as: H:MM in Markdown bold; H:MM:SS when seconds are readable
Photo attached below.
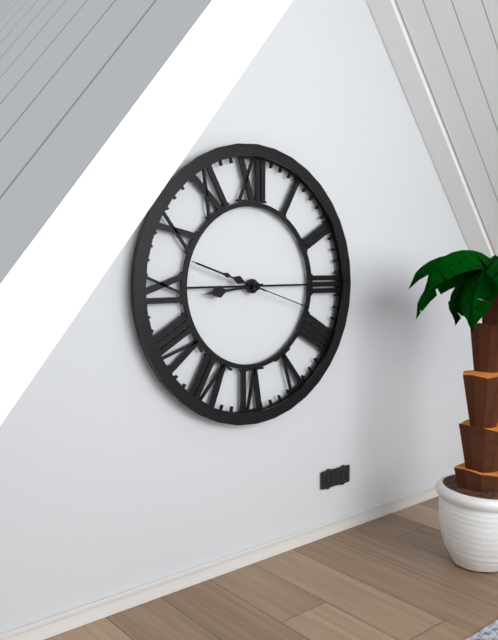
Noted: **8:48:18**
